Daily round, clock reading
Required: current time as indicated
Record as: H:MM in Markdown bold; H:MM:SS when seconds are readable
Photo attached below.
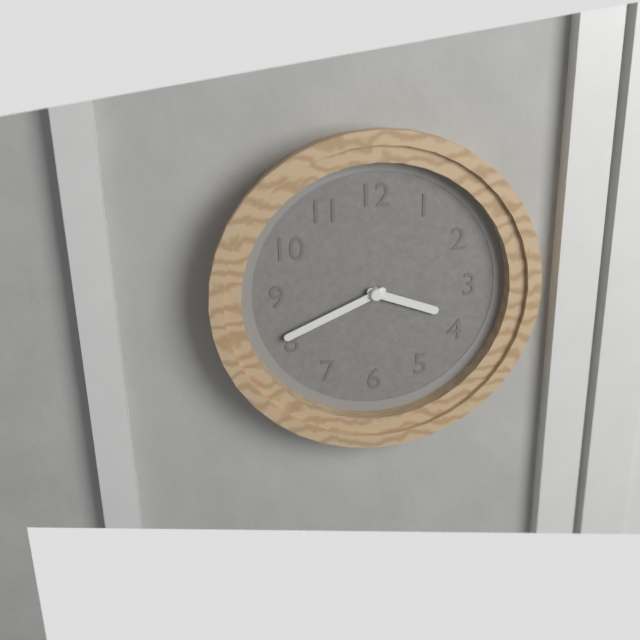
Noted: **3:41**
